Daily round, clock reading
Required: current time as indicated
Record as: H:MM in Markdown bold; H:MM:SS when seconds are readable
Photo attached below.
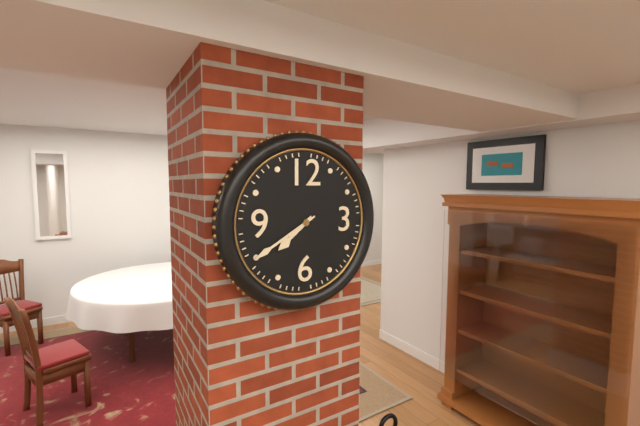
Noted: **7:40**
